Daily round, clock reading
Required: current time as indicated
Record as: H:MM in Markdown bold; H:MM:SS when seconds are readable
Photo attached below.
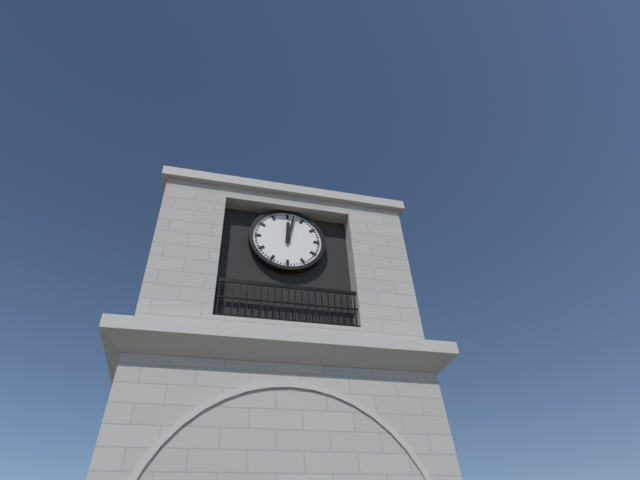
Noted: **12:02**
